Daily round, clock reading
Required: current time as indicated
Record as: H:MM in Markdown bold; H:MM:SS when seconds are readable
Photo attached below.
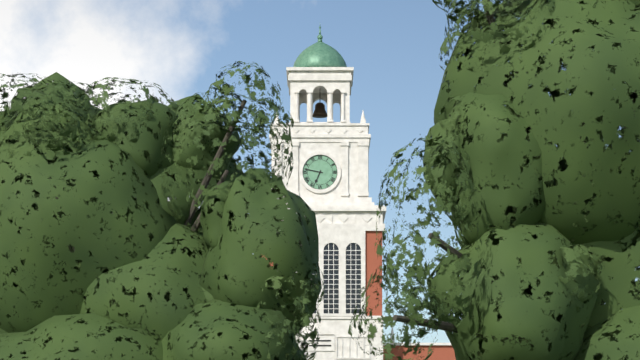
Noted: **6:47**
